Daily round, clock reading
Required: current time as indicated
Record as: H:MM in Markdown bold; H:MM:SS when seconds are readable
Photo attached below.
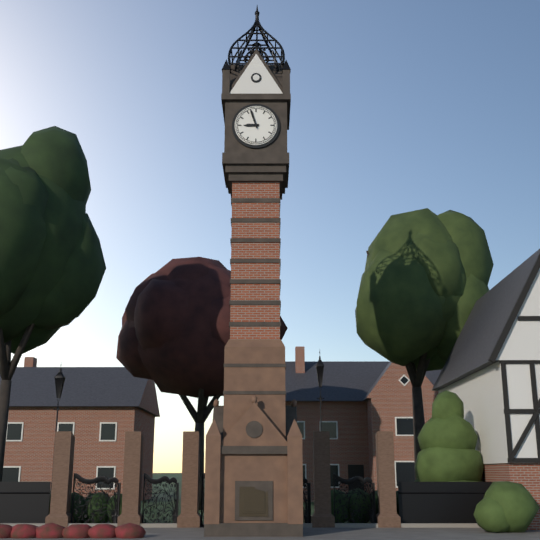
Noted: **8:57**
